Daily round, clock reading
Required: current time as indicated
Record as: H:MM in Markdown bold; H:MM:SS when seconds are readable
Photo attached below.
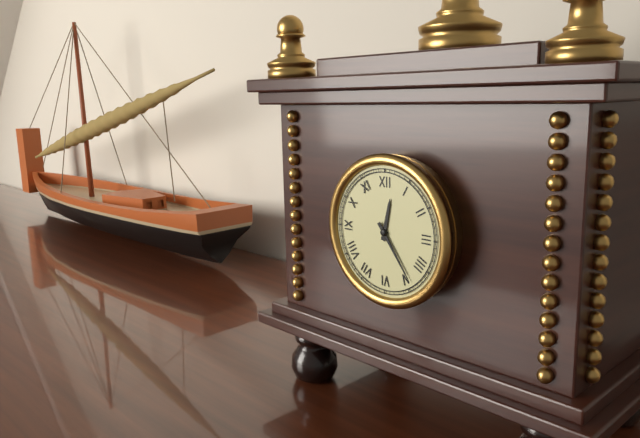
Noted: **12:24**
